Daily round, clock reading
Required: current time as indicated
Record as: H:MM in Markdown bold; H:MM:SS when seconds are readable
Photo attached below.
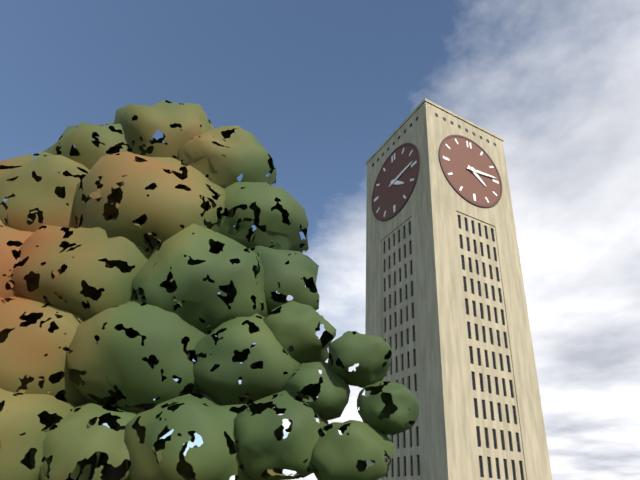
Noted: **4:14**
